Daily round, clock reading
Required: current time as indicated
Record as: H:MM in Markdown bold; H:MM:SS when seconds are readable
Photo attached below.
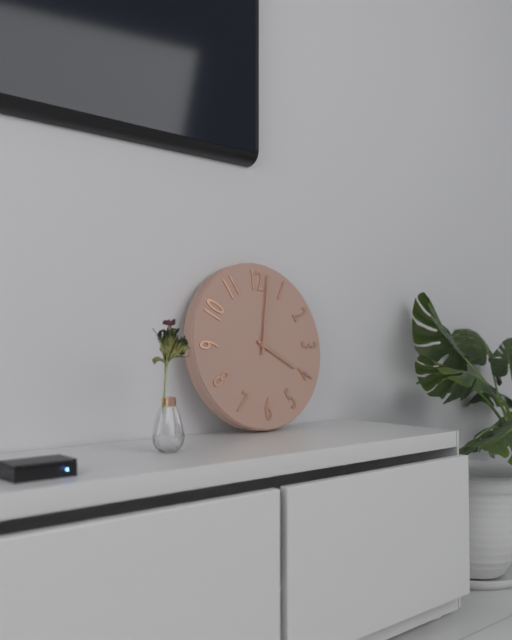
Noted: **4:02**
